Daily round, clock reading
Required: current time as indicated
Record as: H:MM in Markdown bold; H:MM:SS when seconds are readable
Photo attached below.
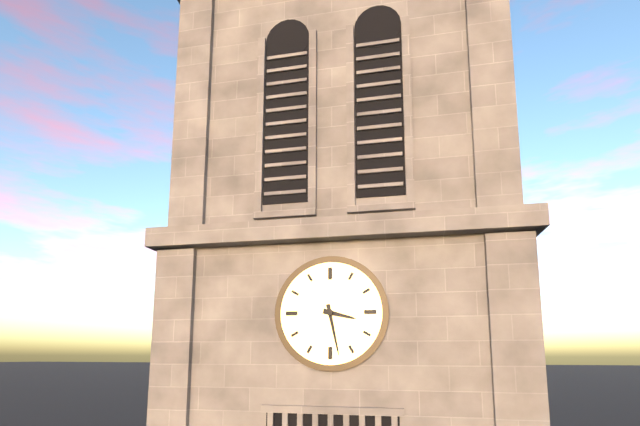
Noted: **3:28**
